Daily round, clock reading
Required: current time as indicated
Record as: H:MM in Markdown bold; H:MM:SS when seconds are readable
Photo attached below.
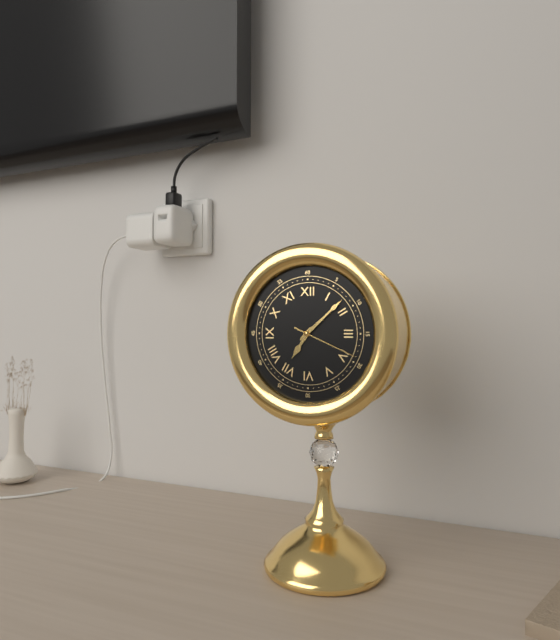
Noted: **7:08:19**
